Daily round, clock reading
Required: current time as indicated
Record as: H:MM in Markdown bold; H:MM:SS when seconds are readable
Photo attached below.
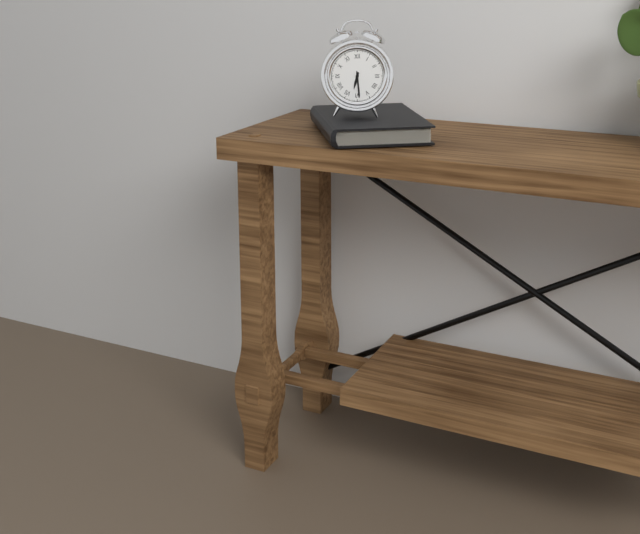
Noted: **6:29**
